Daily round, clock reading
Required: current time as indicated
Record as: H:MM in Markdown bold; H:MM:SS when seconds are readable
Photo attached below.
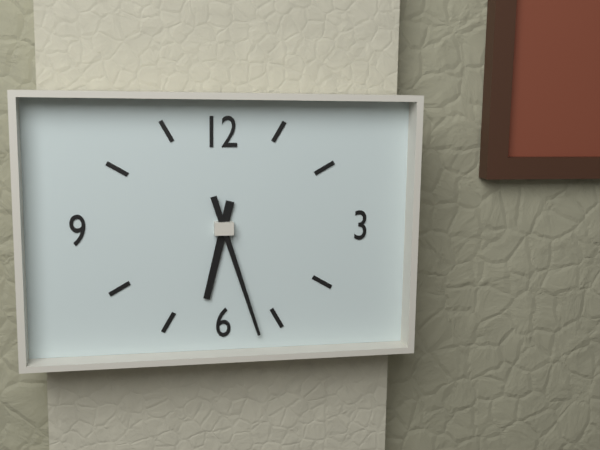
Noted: **6:27**
